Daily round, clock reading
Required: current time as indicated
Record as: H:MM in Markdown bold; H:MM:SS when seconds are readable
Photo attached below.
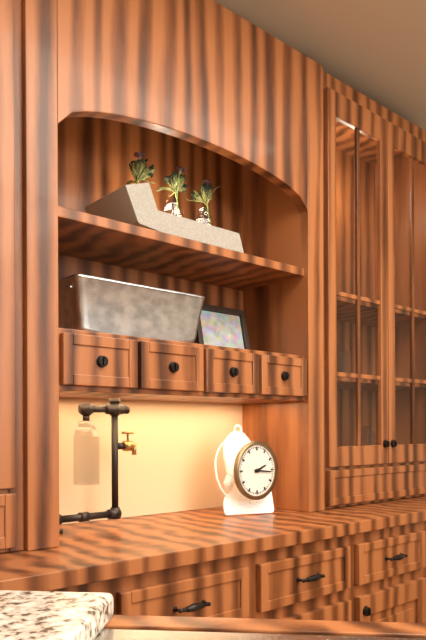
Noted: **2:16**
